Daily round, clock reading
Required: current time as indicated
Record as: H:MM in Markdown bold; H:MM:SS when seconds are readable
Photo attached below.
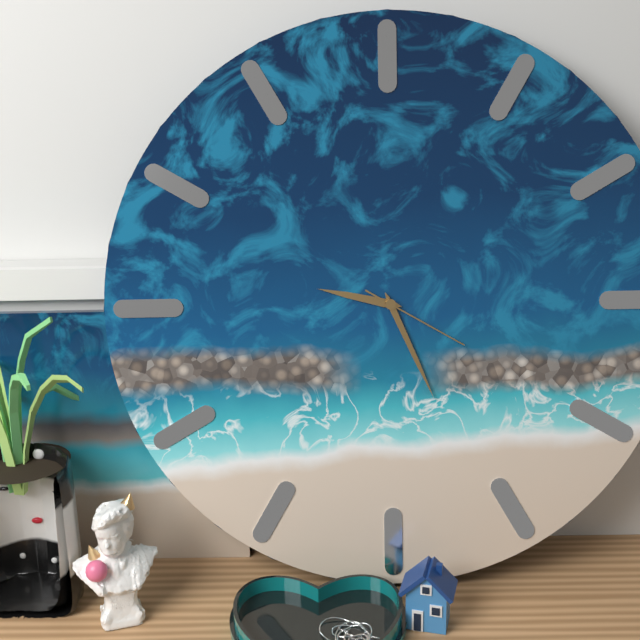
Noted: **9:26:20**
